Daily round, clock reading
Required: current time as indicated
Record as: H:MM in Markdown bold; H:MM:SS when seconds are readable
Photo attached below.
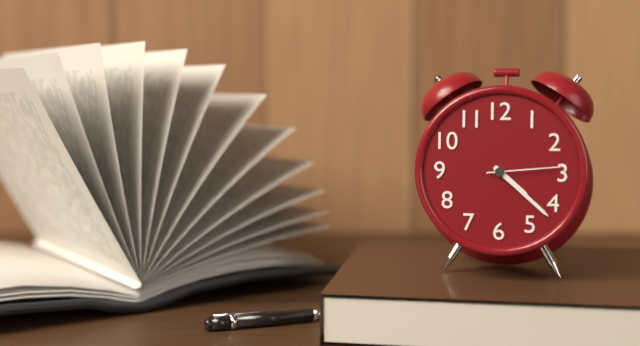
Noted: **4:22:14**
